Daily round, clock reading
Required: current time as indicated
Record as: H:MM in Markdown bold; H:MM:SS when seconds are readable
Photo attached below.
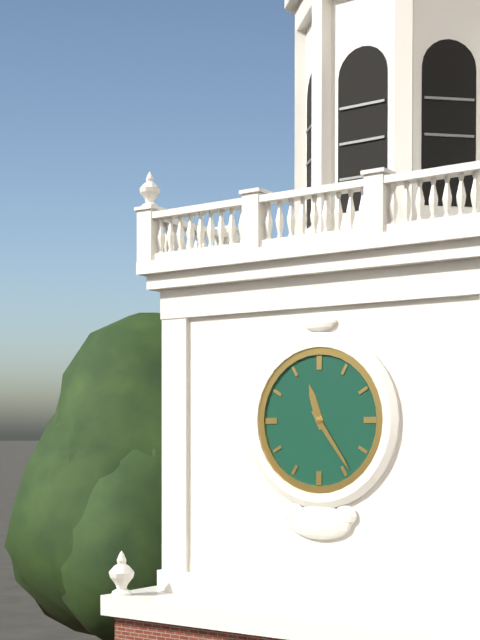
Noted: **11:24**
